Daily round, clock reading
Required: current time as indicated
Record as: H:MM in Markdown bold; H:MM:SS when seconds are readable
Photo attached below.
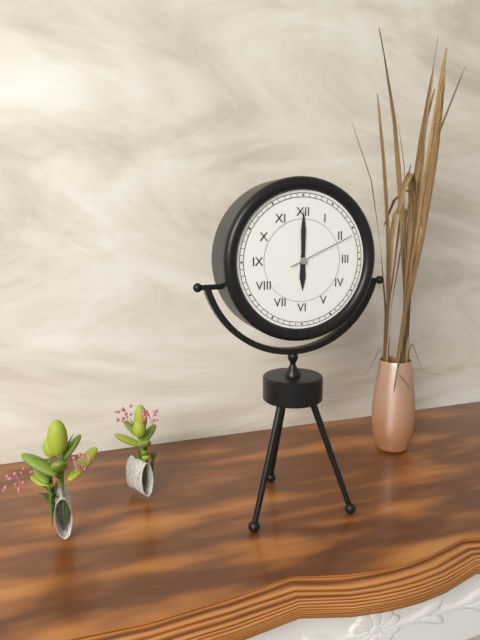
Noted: **6:00:11**
